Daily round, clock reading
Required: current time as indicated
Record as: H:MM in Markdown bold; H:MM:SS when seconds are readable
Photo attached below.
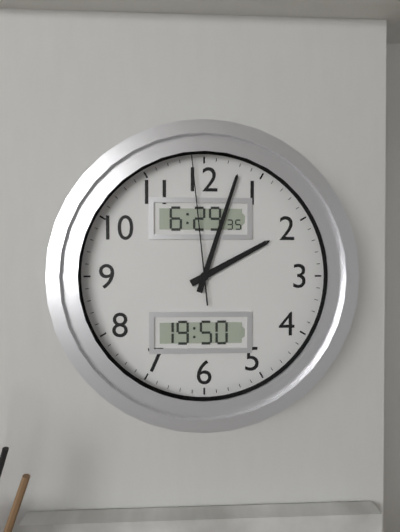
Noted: **2:03:59**
